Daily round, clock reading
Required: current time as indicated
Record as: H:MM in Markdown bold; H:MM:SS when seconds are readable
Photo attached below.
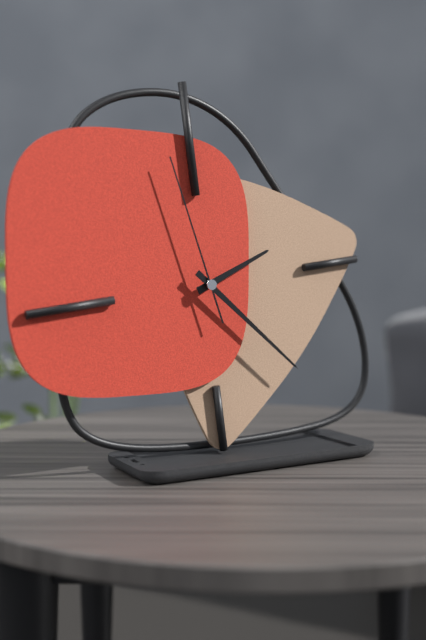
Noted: **2:23:58**
